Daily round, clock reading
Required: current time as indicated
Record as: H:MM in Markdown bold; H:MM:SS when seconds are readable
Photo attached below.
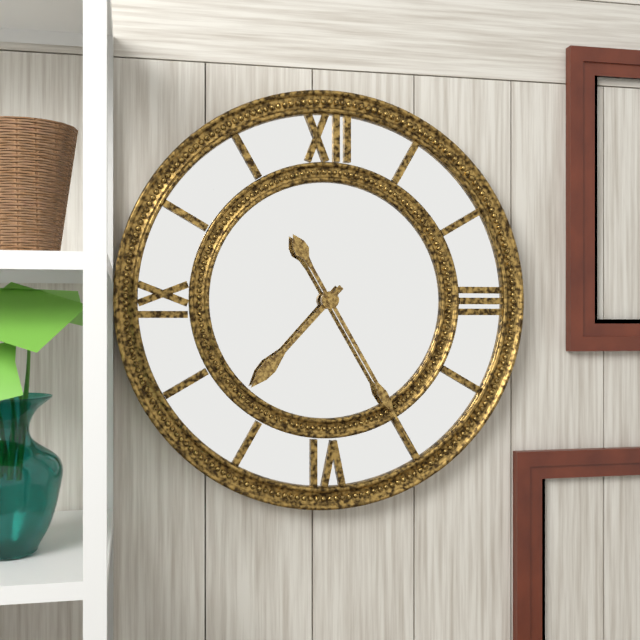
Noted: **7:25**
